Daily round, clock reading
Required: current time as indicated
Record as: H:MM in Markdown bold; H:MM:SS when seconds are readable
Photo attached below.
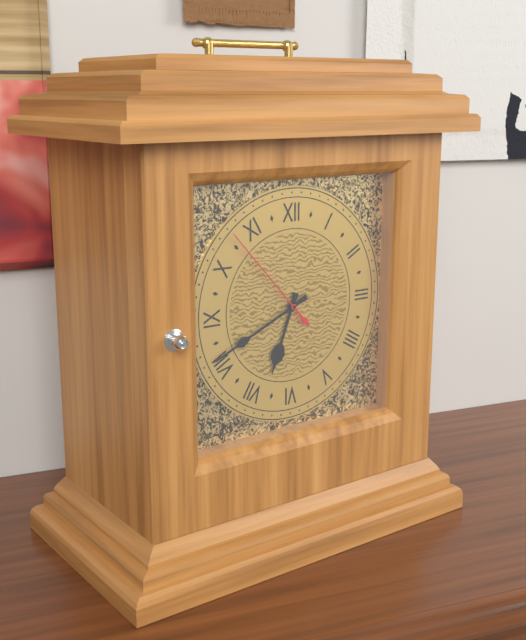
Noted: **6:41:53**
